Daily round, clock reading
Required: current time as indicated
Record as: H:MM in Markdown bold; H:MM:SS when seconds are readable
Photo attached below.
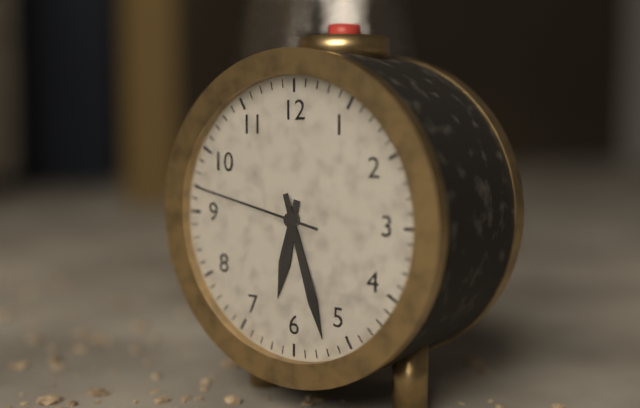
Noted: **6:27:47**
